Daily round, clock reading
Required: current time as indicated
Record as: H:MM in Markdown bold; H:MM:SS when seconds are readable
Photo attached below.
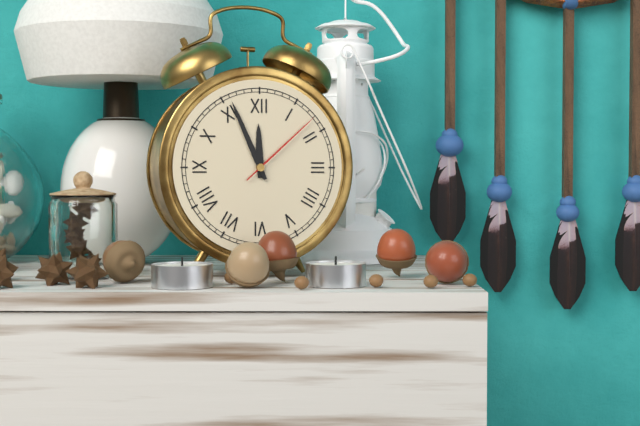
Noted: **11:56:08**
